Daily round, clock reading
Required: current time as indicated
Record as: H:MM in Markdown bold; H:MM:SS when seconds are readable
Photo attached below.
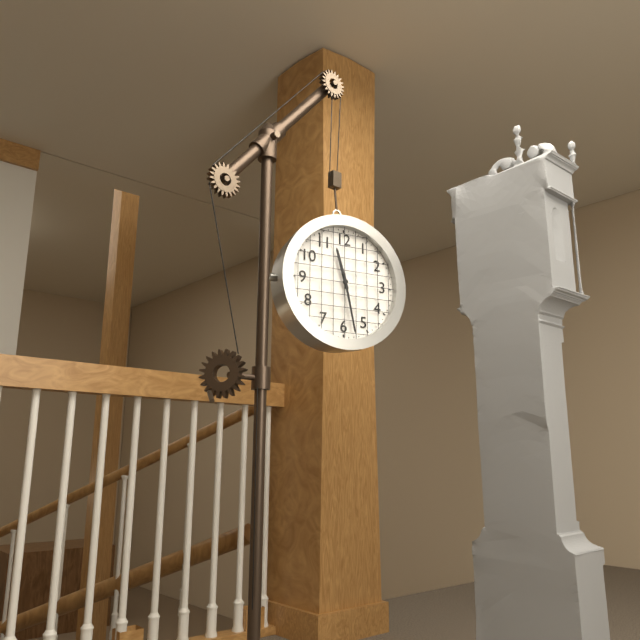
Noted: **11:28**
